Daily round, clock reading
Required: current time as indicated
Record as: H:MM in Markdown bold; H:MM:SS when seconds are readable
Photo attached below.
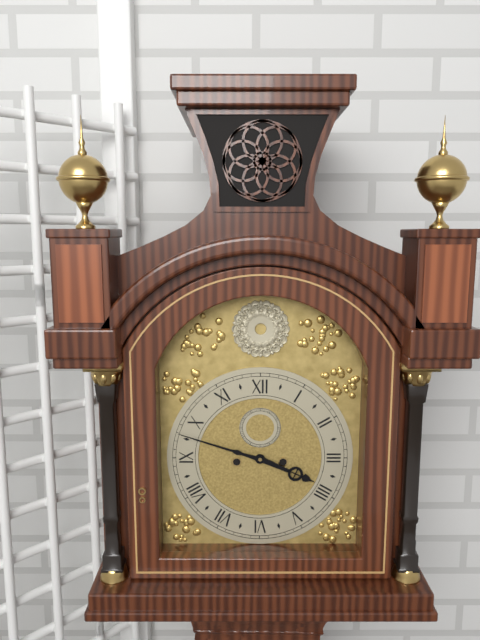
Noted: **3:48**
